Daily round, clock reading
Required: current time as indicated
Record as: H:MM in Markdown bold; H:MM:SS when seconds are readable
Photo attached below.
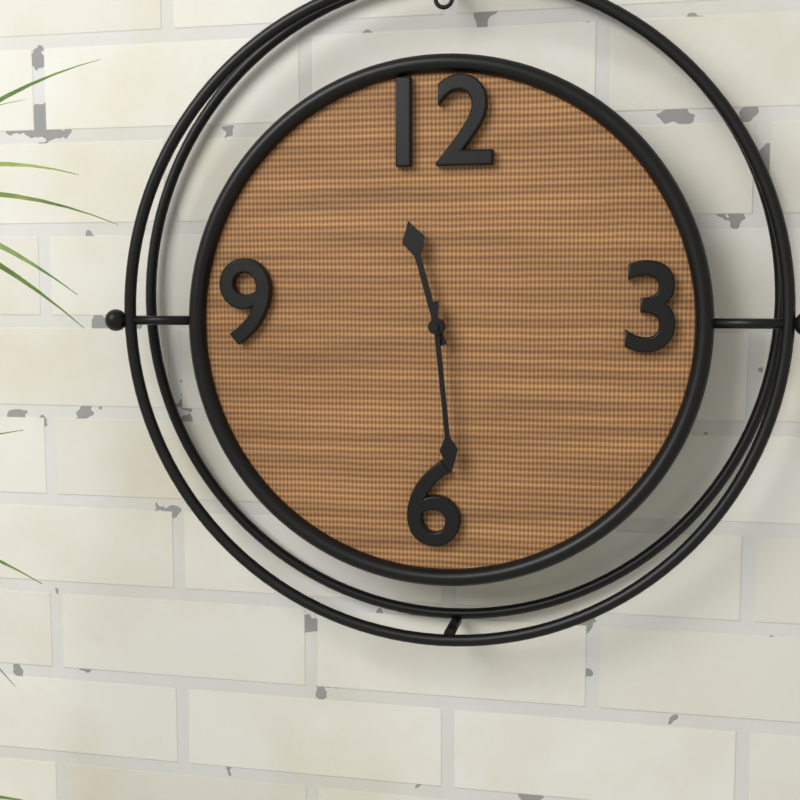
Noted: **11:29**
